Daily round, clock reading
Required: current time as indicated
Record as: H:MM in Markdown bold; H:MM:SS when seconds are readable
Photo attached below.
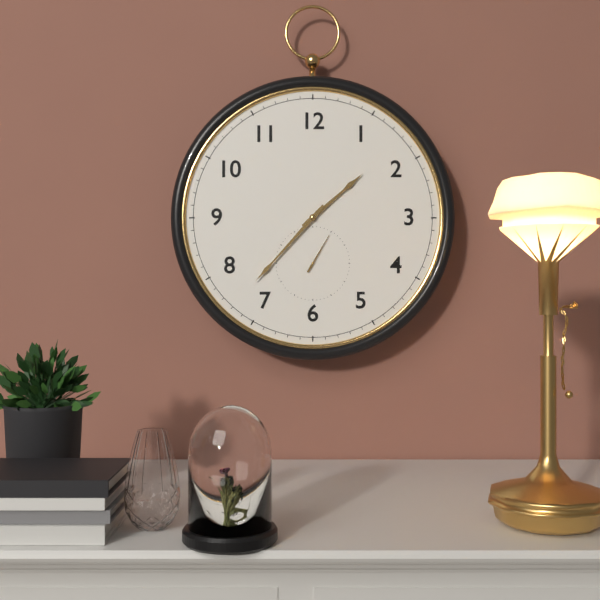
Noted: **1:37**
